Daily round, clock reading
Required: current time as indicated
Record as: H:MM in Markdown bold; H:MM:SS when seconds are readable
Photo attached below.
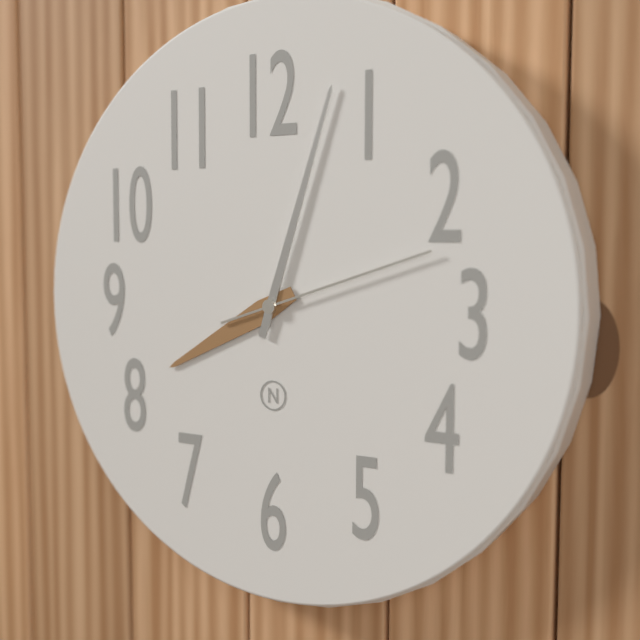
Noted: **8:03:12**
